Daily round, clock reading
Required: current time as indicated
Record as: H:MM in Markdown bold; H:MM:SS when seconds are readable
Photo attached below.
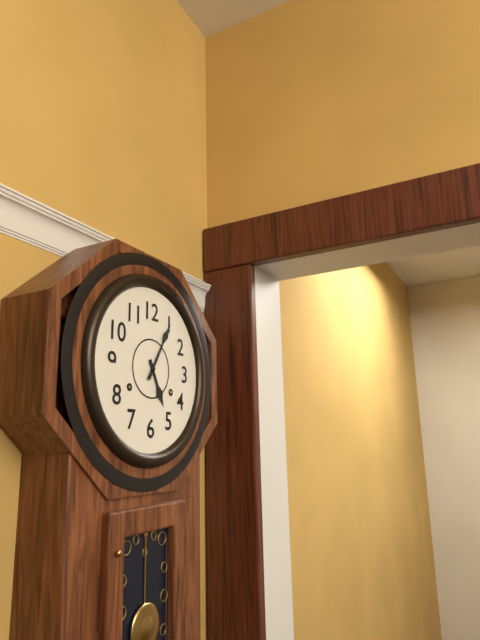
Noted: **5:05**
